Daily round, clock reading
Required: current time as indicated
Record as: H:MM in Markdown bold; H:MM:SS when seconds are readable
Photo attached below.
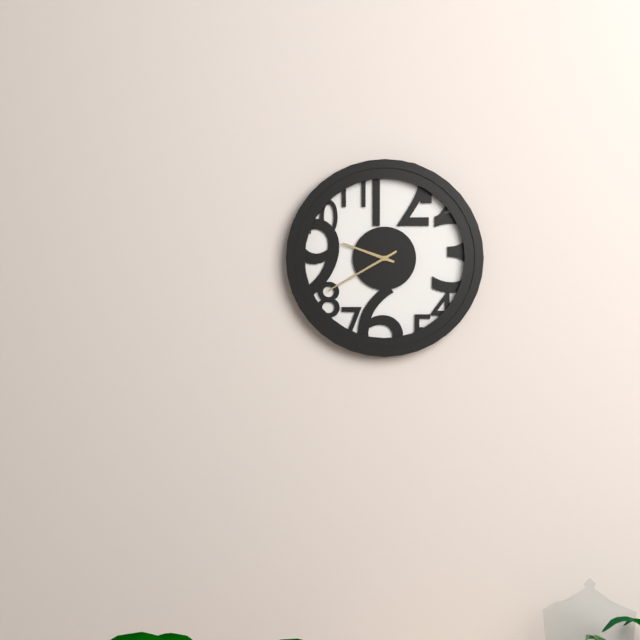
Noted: **9:40**
